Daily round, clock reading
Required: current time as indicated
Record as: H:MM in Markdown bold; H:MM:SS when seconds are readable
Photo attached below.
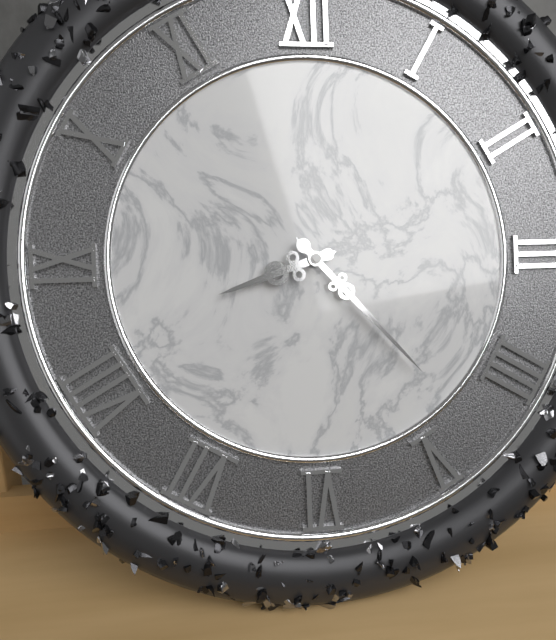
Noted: **8:23**
